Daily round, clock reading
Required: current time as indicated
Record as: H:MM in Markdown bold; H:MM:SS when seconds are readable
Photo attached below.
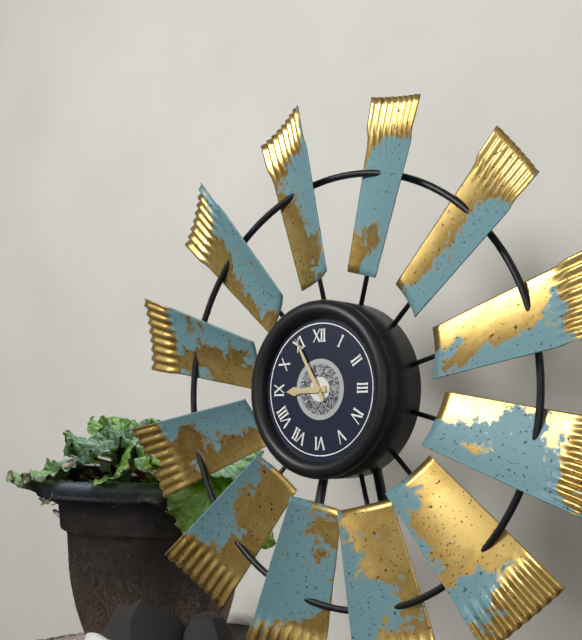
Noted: **8:55**
